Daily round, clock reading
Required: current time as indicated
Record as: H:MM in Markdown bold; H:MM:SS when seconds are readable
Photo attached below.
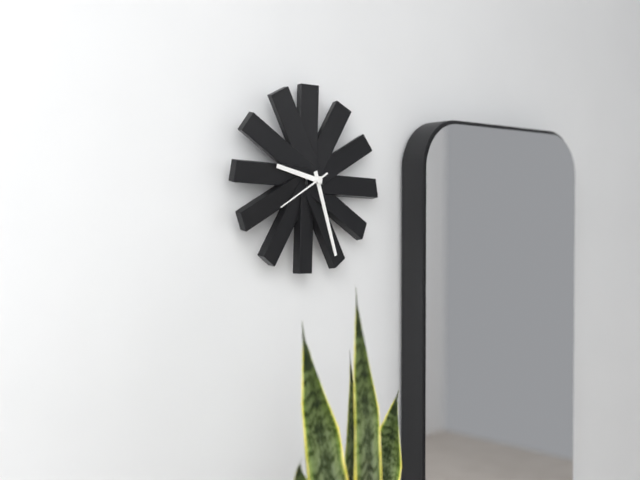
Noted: **9:27:40**
